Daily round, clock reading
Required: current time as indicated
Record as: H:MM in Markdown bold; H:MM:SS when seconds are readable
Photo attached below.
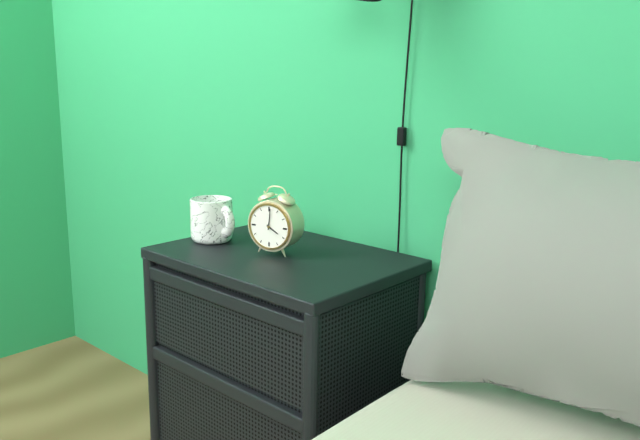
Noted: **4:01**
